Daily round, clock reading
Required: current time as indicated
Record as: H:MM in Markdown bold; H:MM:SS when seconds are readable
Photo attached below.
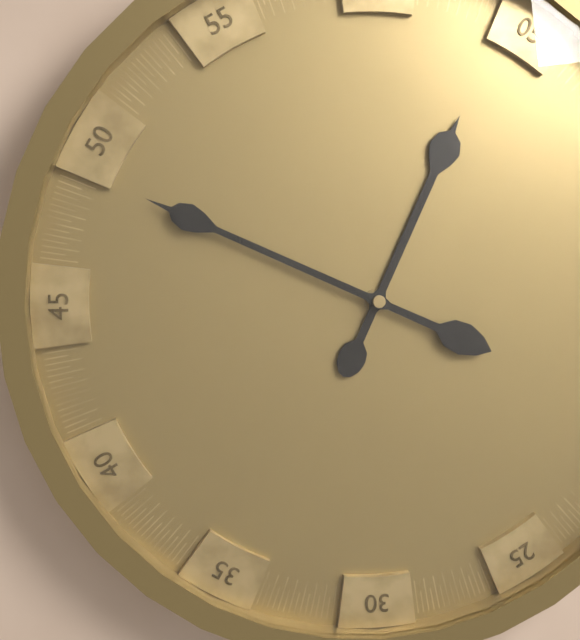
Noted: **12:49**
